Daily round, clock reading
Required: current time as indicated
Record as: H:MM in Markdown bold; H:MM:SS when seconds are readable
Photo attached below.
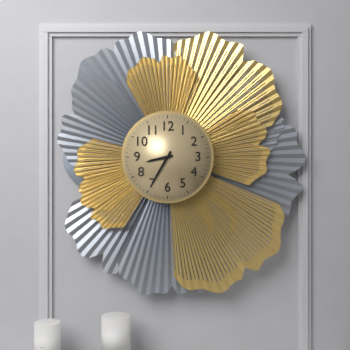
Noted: **8:35**
